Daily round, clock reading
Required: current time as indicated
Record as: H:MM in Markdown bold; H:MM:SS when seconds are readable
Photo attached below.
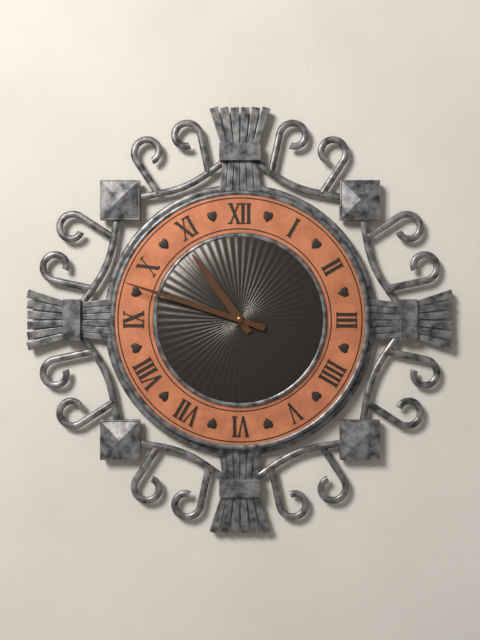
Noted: **10:48**
